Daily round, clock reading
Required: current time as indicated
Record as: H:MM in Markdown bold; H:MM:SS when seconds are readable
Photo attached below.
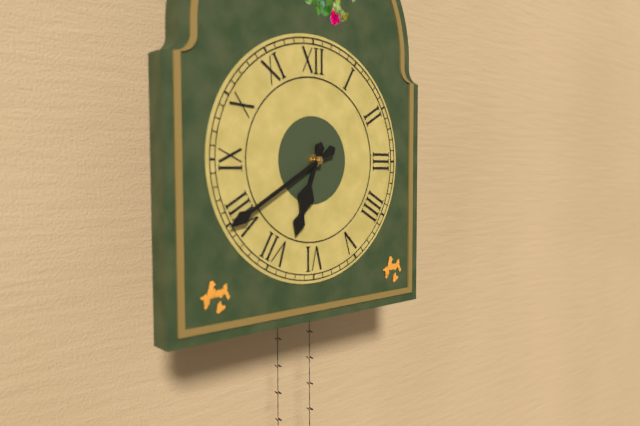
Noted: **6:40**
